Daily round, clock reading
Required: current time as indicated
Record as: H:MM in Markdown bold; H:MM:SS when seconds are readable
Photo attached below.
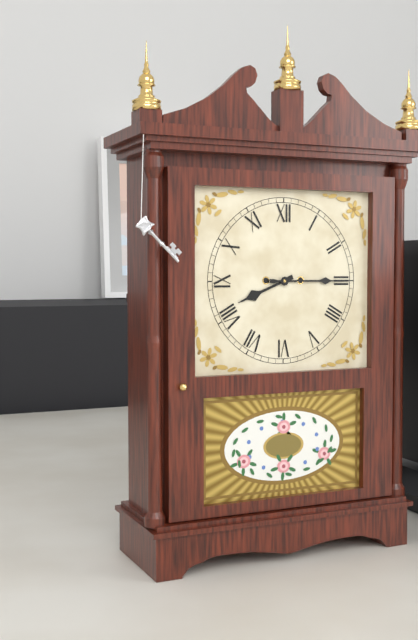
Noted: **8:15**
